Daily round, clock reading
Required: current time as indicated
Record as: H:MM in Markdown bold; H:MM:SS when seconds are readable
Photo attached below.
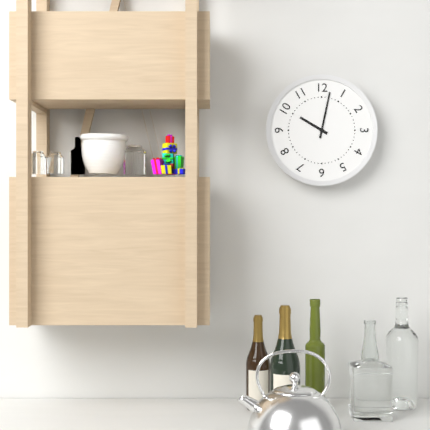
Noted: **10:02**
